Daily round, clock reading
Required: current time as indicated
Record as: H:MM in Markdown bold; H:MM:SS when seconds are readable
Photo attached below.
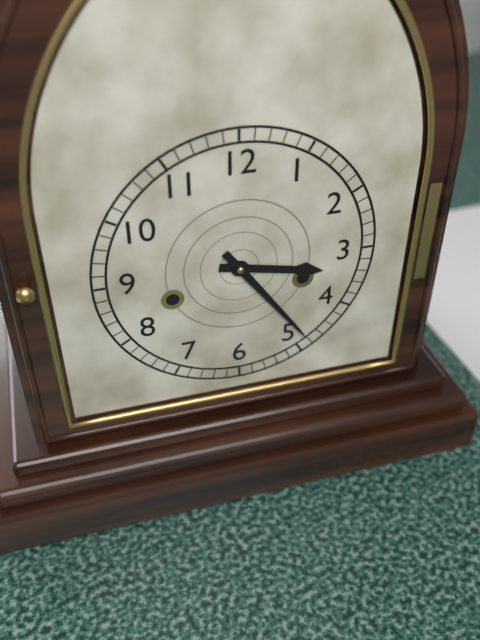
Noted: **3:24**
